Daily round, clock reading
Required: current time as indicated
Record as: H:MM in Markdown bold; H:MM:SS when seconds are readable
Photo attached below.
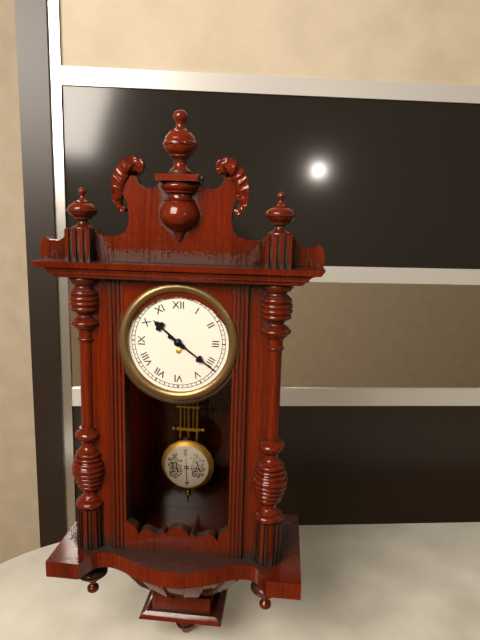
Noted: **10:21**
